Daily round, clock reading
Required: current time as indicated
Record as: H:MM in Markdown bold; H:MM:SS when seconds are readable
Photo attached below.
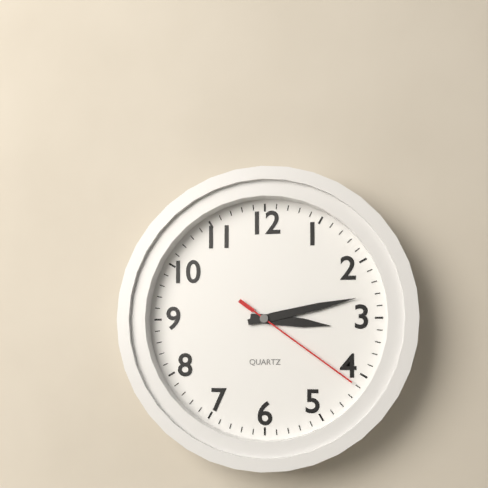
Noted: **3:13:21**
